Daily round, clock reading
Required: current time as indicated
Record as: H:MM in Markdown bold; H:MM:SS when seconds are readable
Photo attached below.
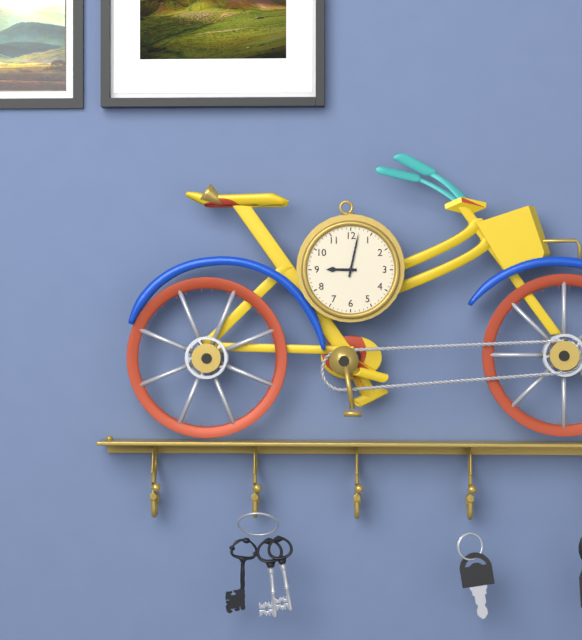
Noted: **9:02**
